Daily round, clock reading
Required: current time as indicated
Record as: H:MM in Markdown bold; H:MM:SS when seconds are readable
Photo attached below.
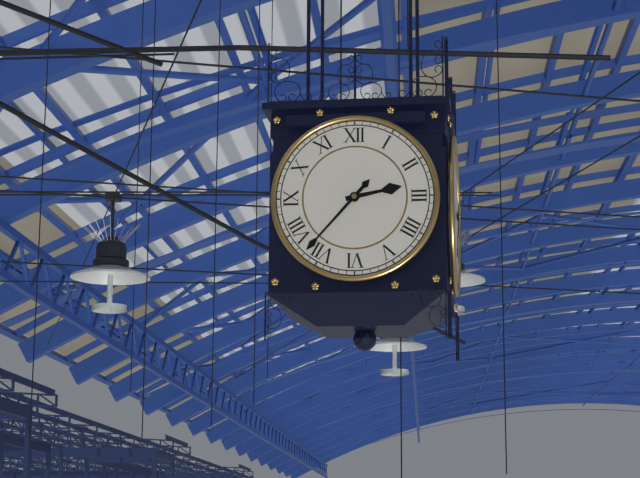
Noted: **2:37**
